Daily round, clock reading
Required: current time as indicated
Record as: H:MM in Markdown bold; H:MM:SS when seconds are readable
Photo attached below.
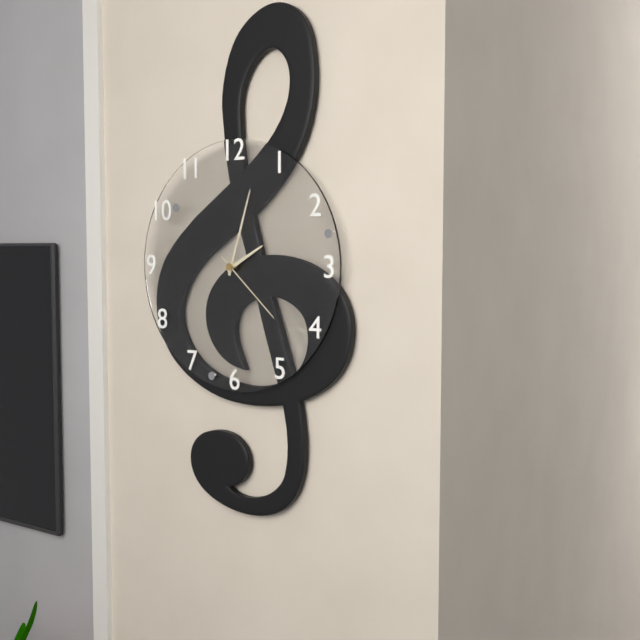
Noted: **2:03:22**
